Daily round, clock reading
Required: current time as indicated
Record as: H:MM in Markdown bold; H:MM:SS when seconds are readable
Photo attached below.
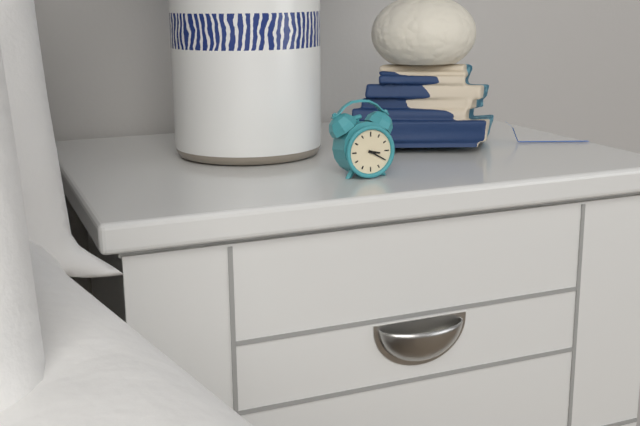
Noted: **3:20**
